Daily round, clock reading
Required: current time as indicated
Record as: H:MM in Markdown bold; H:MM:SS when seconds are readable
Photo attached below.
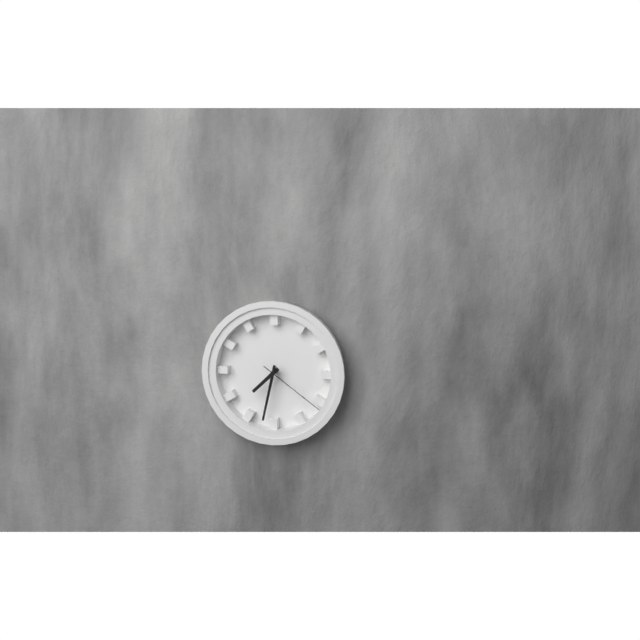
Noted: **7:32:21**
